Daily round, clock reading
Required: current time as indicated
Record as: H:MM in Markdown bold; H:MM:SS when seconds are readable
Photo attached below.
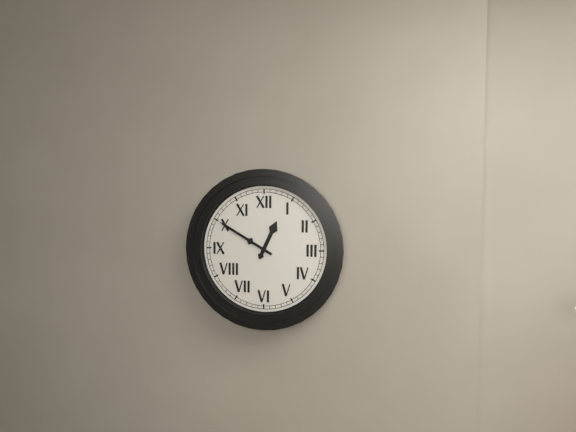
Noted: **12:50**
